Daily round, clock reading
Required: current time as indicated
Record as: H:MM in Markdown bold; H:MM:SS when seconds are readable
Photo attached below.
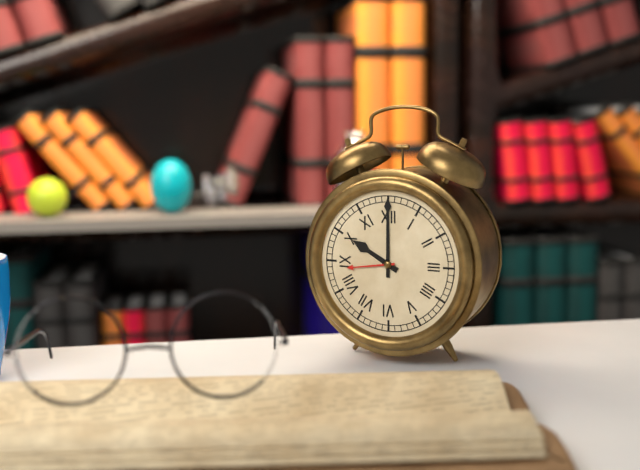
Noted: **10:00**
